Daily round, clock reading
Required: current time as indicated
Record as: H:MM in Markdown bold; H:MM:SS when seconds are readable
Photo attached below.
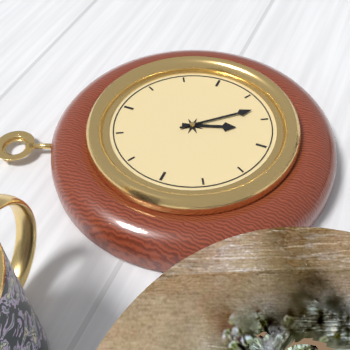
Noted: **5:23**
